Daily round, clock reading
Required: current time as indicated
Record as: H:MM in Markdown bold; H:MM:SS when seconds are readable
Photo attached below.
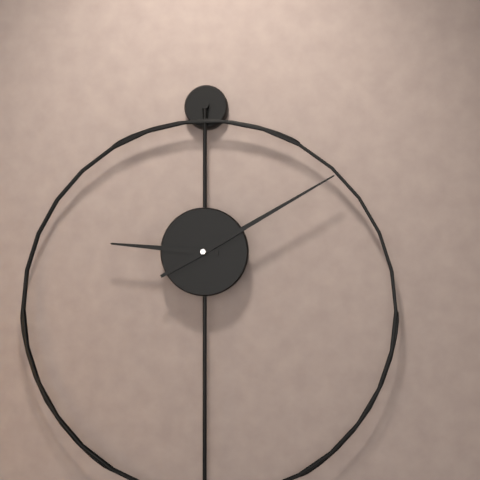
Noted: **9:10**
